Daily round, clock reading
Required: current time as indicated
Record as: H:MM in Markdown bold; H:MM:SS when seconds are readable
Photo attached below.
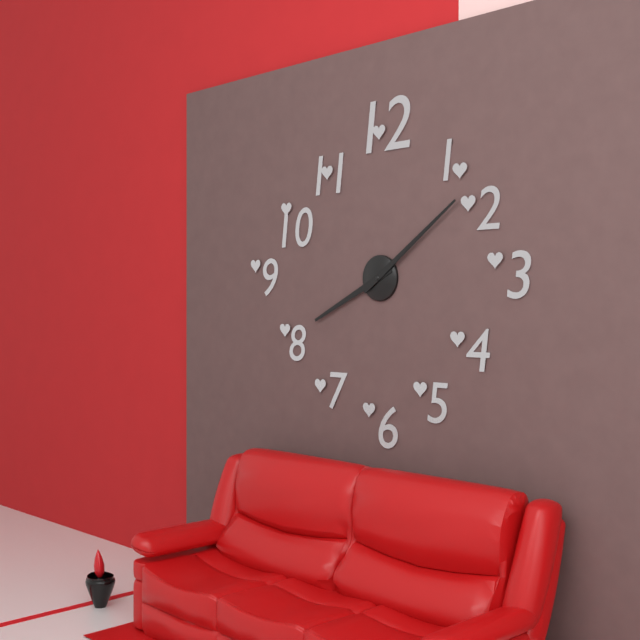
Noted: **8:09**
